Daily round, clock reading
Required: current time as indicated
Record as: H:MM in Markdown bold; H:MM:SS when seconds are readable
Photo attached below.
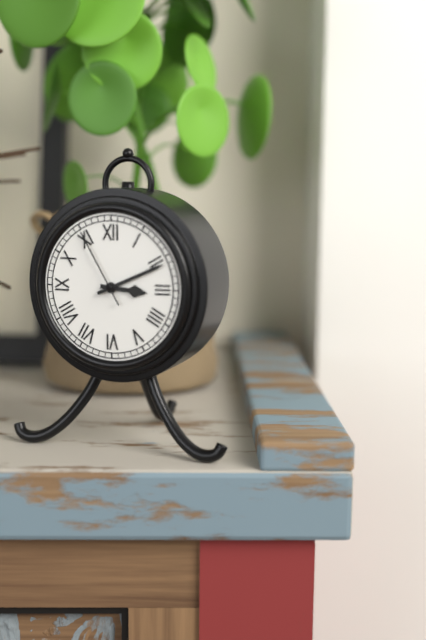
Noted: **3:11:55**
